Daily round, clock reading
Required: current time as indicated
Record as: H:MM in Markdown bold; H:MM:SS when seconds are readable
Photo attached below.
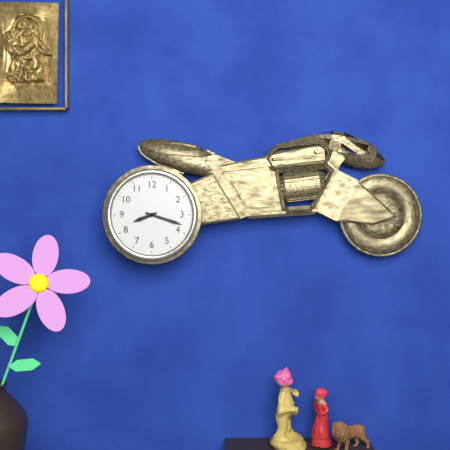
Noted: **8:18**
